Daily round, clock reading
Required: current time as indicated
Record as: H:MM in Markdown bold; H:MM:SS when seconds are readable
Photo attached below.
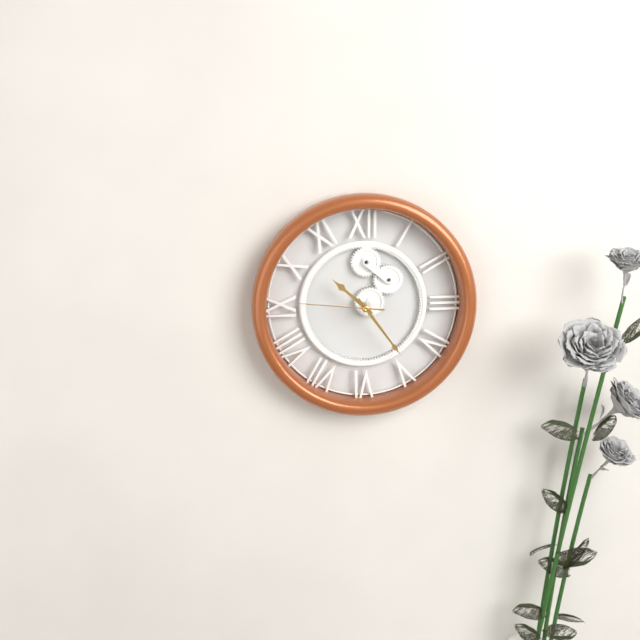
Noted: **10:24:46**
